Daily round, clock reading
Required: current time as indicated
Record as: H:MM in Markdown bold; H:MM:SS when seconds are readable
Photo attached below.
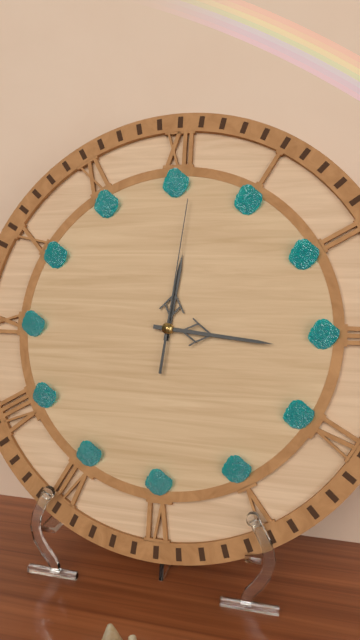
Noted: **12:16:01**
